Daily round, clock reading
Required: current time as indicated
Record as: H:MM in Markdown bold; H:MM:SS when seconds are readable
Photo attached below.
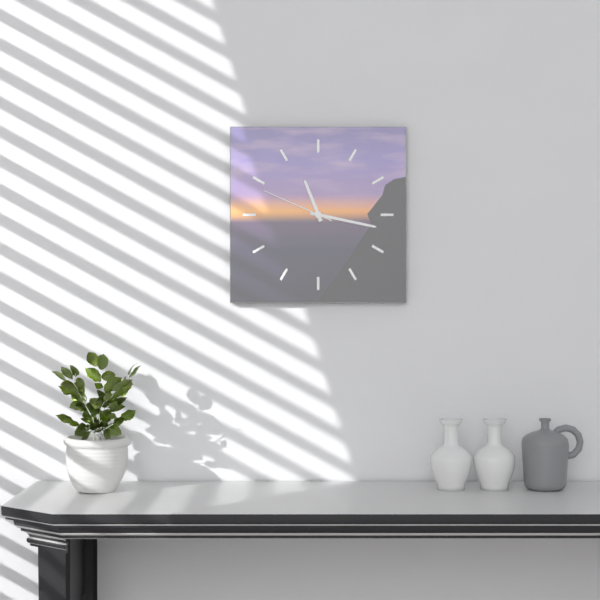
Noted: **11:17:49**
